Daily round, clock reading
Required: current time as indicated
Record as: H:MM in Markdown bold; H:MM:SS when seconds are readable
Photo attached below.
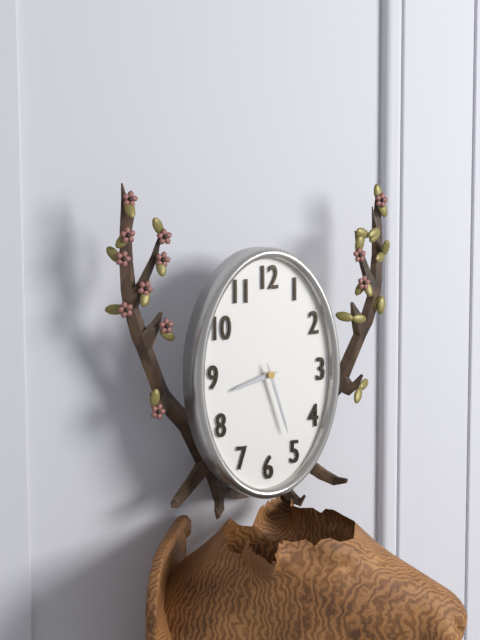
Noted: **8:27**
